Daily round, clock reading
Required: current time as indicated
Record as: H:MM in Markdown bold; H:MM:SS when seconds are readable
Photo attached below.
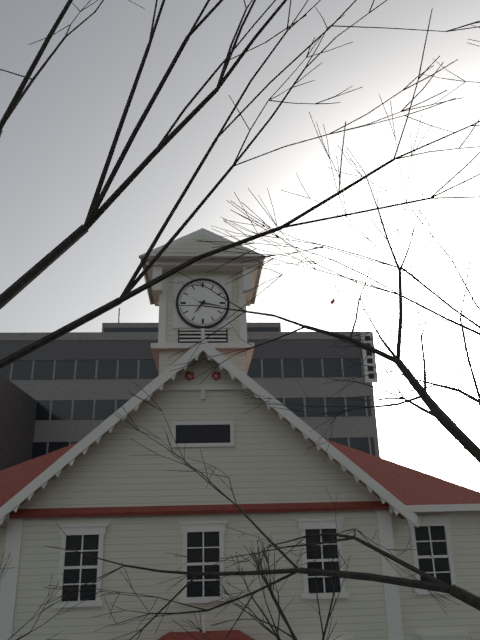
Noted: **7:17**
